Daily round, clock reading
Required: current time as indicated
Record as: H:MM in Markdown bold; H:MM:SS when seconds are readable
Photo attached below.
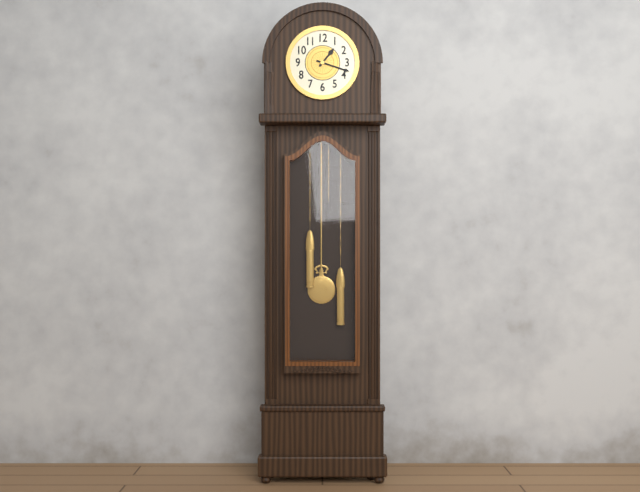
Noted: **1:18**
